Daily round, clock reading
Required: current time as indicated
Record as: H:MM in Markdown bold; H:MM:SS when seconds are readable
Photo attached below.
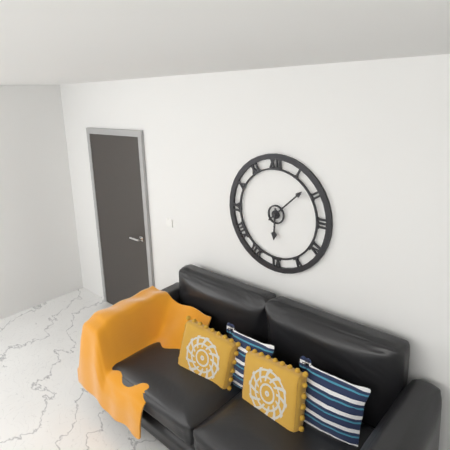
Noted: **6:08**
